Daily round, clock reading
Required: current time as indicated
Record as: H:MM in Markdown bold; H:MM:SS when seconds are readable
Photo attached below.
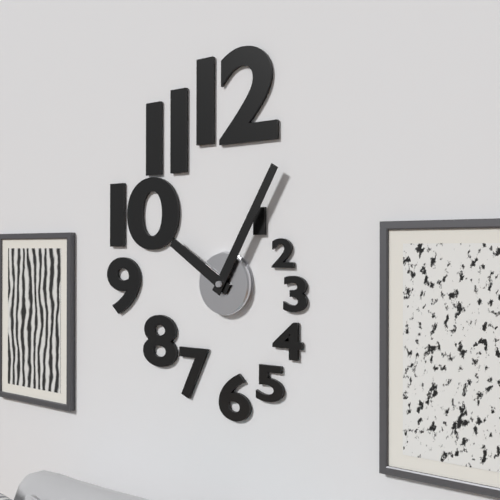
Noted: **10:05**
